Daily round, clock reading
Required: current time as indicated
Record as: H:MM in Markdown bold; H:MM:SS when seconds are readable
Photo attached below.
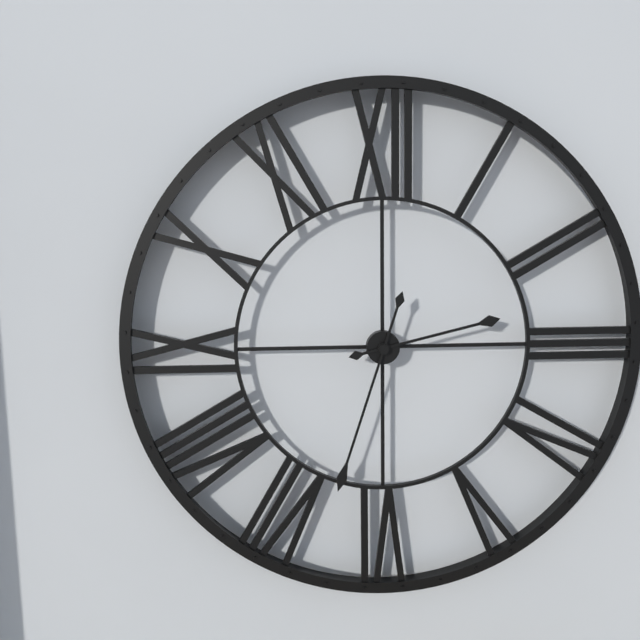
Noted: **2:33**
